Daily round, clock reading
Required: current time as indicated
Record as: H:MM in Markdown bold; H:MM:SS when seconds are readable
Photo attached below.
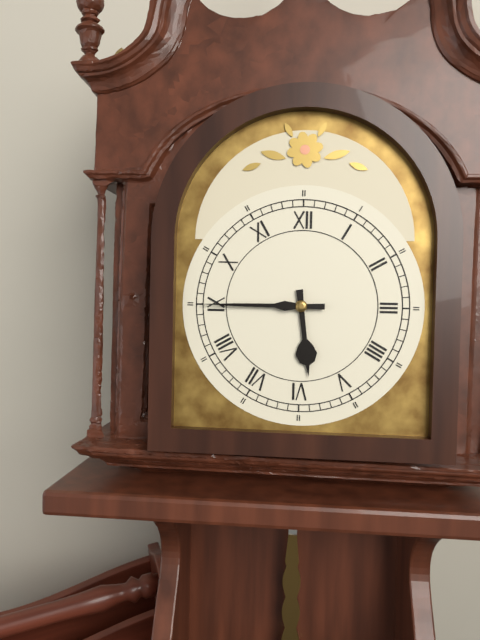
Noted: **5:45**
